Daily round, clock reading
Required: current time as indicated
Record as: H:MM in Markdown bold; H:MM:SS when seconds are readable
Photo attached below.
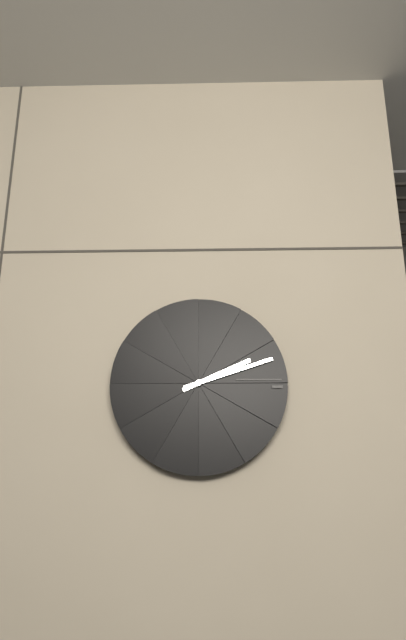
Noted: **2:12**
